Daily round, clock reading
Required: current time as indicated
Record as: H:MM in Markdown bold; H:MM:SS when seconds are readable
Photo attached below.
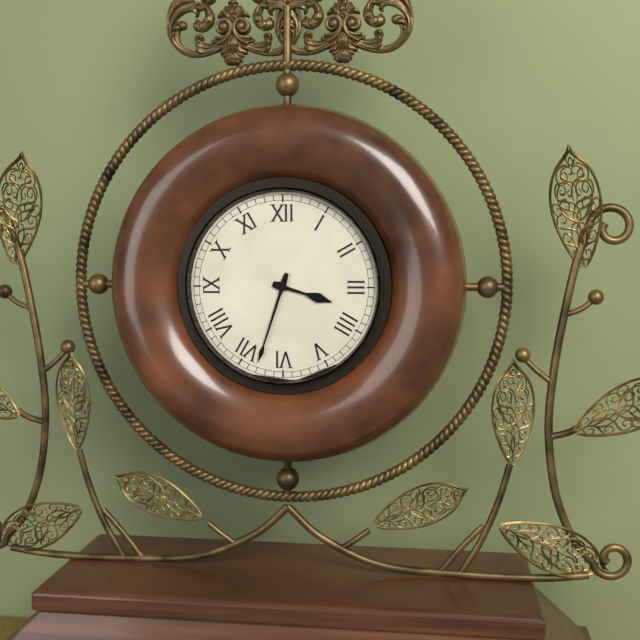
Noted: **3:33**
